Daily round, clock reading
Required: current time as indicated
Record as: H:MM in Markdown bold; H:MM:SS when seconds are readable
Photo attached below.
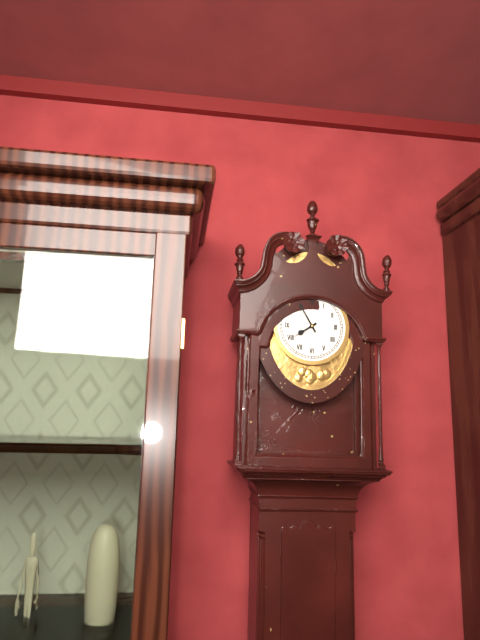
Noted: **7:55**
